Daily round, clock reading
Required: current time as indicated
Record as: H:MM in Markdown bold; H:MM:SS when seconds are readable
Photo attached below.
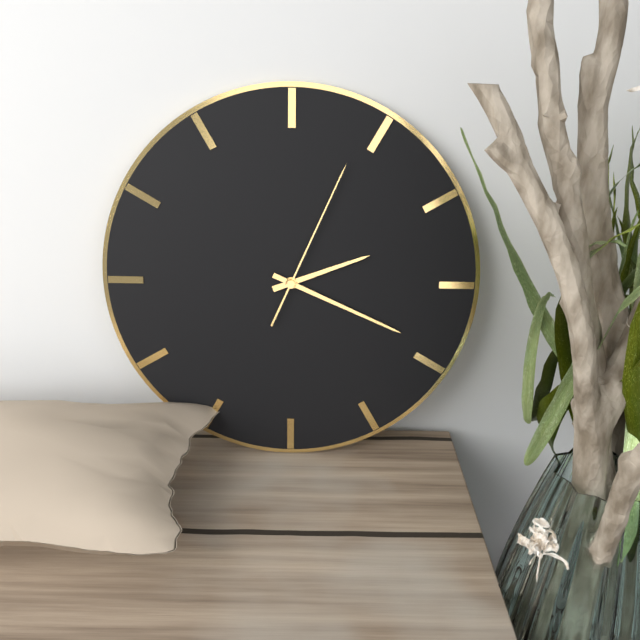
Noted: **2:19:04**
